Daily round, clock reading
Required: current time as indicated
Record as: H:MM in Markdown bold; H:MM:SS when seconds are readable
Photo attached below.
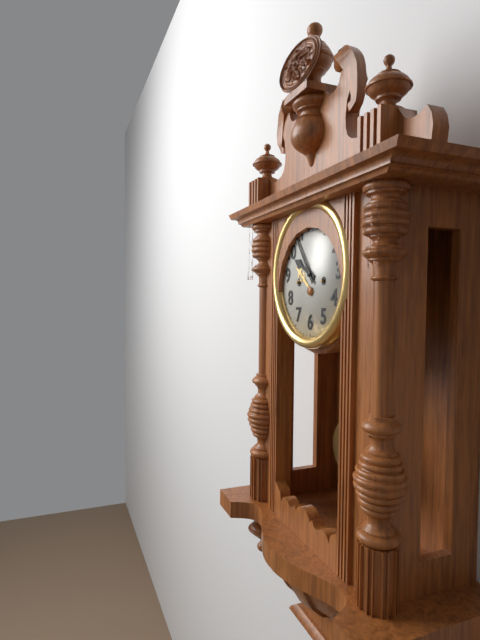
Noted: **9:54**
